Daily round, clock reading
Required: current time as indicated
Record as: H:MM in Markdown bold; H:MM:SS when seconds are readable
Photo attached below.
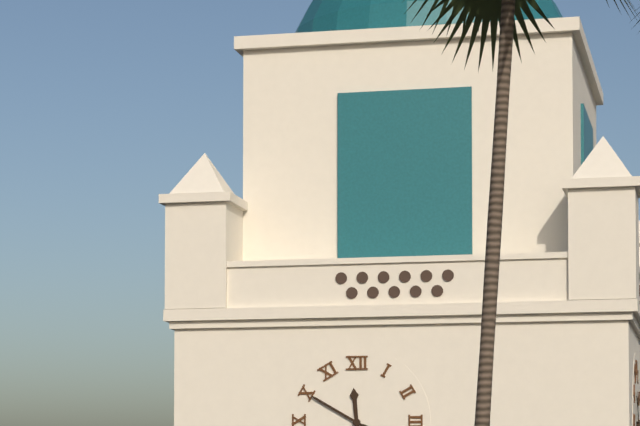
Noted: **11:50**
